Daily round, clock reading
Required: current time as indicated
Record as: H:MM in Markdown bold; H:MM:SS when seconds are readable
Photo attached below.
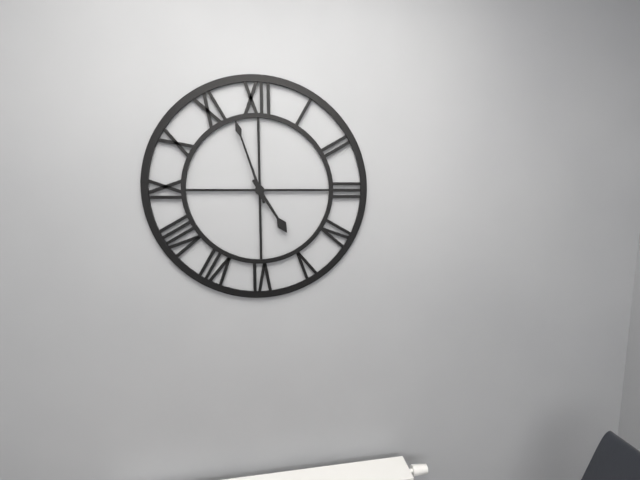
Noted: **4:57**
